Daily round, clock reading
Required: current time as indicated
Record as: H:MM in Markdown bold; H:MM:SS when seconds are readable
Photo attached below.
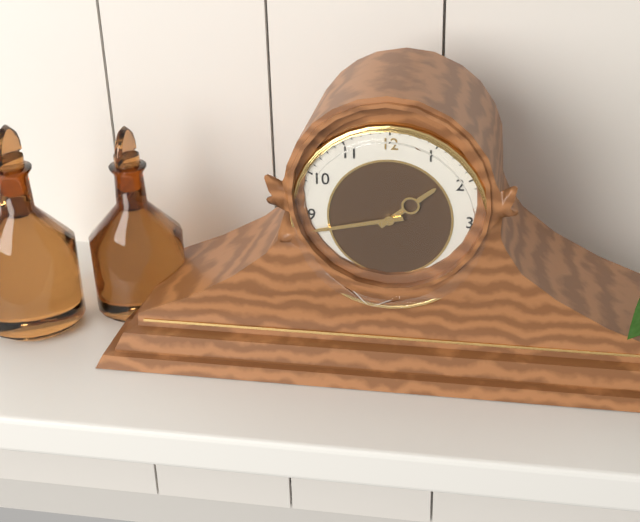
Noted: **1:43**
